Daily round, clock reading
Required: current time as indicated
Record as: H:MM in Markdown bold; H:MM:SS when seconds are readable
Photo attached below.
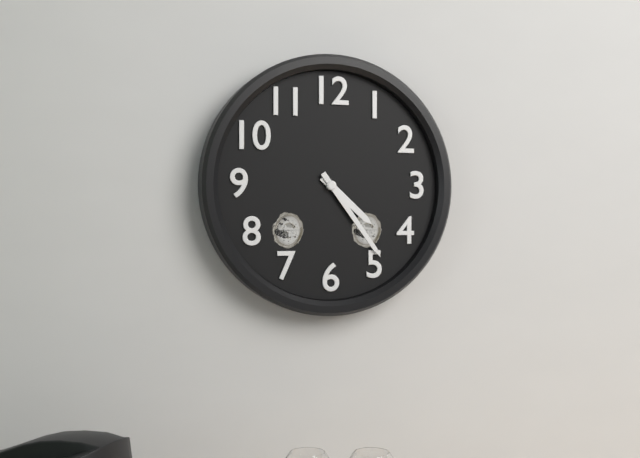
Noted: **4:24**
